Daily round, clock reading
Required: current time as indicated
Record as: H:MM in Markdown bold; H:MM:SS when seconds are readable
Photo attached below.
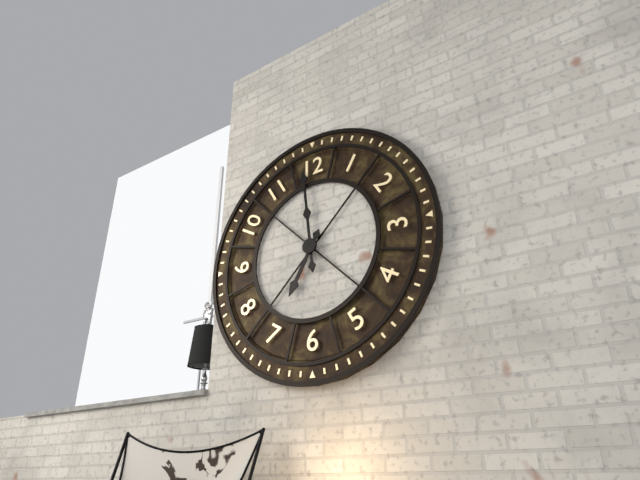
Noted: **6:59**
